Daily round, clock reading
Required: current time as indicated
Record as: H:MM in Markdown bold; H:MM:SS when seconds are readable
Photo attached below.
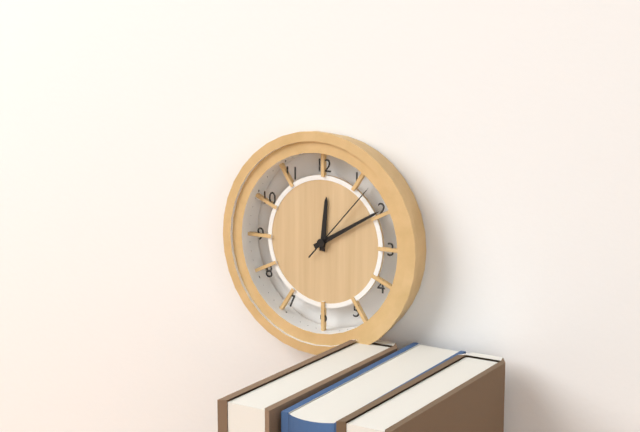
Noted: **12:10:07**
